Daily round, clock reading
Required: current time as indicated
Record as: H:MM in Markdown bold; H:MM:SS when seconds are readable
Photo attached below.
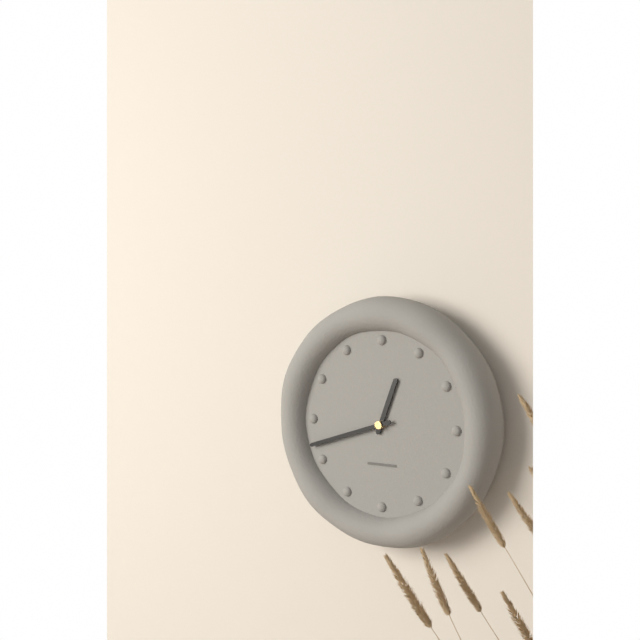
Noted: **12:42**
